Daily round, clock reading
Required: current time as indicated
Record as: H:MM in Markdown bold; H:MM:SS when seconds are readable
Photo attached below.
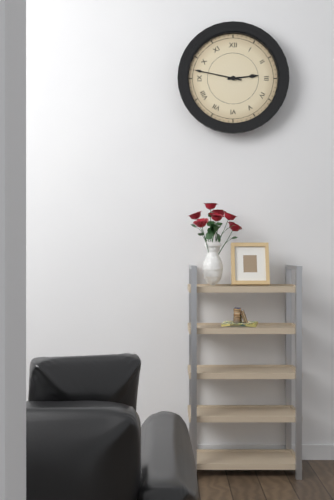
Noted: **2:47**
